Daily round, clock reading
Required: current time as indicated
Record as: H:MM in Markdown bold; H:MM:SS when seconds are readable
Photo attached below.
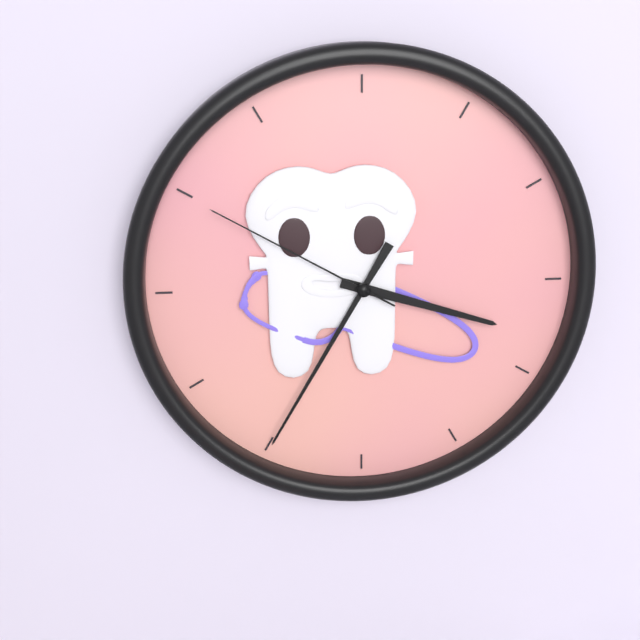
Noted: **3:35:50**
